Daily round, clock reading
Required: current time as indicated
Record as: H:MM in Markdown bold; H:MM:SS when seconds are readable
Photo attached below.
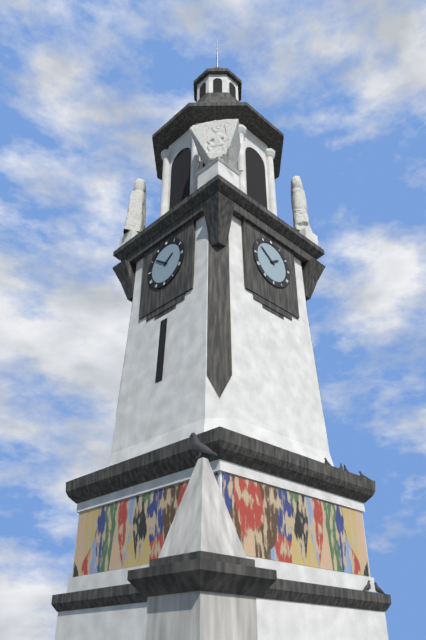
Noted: **1:51**
